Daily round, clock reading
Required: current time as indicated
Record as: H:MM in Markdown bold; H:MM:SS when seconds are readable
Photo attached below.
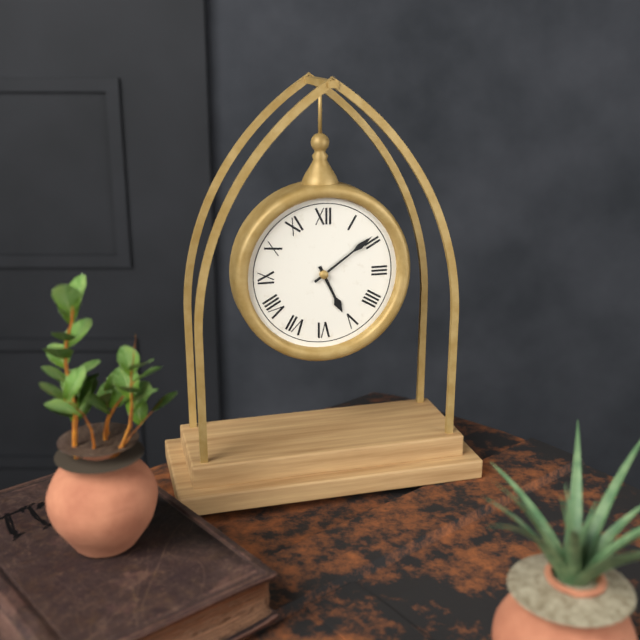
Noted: **5:09**
